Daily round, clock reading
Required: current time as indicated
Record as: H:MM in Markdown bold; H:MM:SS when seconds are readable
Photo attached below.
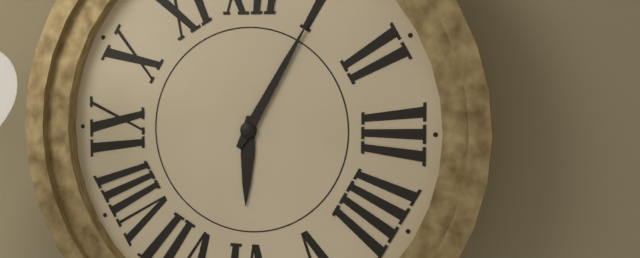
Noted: **6:05**
